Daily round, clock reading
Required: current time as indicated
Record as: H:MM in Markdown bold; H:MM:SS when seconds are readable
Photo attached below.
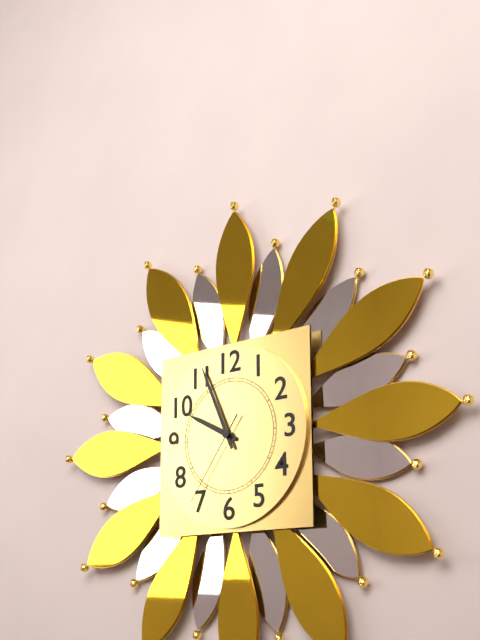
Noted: **9:56:36**
